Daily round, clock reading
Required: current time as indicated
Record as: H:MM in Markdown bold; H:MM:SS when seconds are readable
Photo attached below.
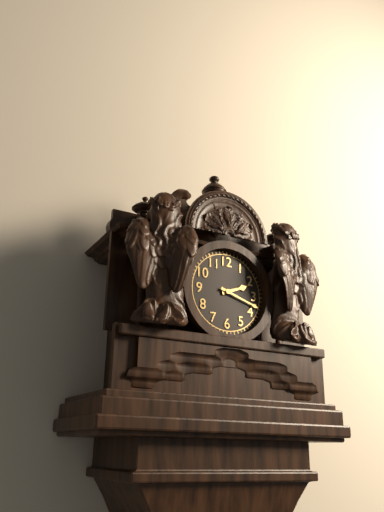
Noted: **2:18**
